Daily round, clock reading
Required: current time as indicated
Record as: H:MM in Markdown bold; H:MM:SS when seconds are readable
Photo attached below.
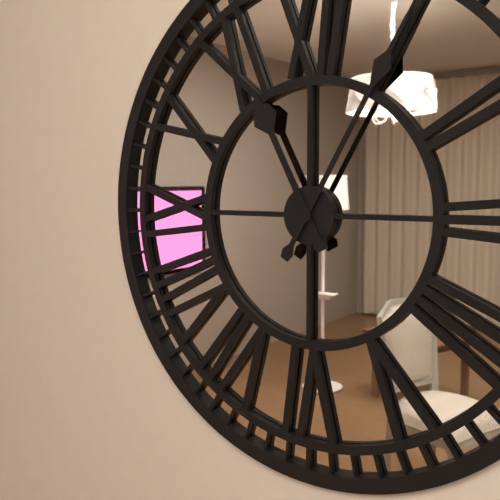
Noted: **11:05**
